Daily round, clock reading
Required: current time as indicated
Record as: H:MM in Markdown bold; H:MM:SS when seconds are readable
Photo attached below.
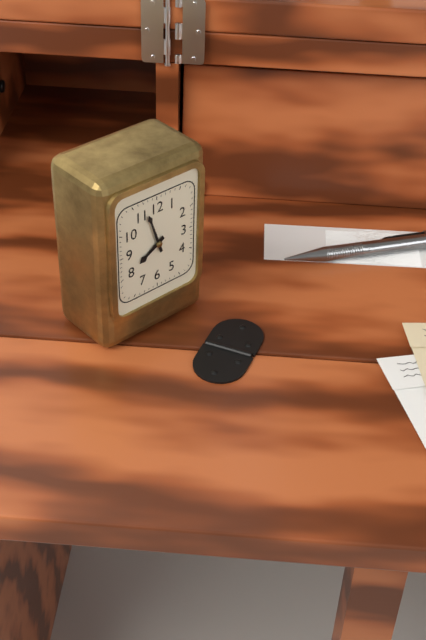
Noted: **7:57**
